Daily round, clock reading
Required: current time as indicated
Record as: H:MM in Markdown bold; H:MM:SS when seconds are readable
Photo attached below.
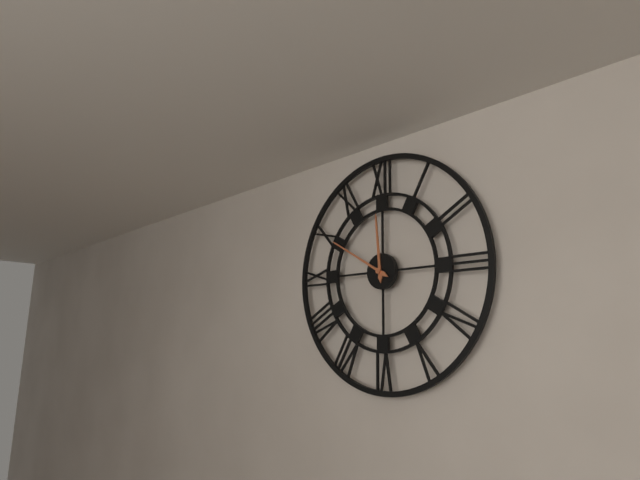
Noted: **11:50**
